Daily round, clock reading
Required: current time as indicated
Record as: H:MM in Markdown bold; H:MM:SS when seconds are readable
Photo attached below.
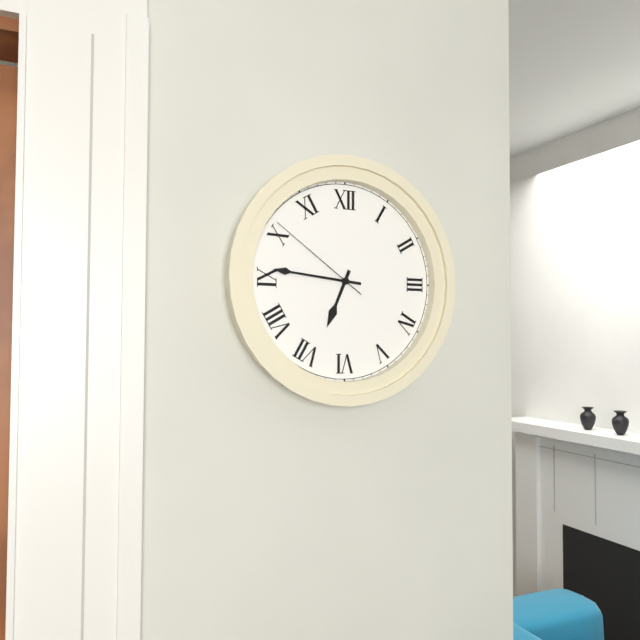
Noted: **6:46:51**
